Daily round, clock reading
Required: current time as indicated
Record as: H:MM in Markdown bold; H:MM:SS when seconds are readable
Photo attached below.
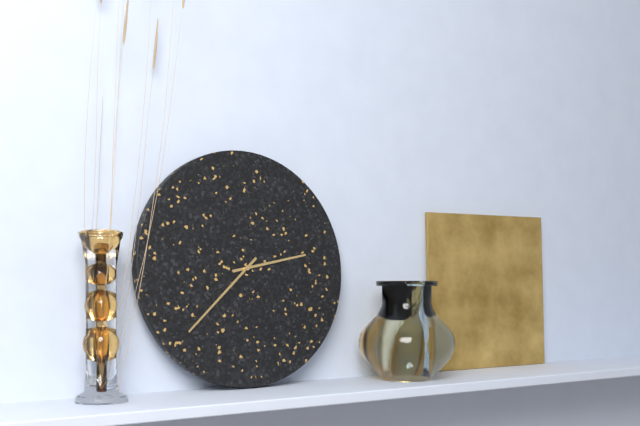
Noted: **2:38**
